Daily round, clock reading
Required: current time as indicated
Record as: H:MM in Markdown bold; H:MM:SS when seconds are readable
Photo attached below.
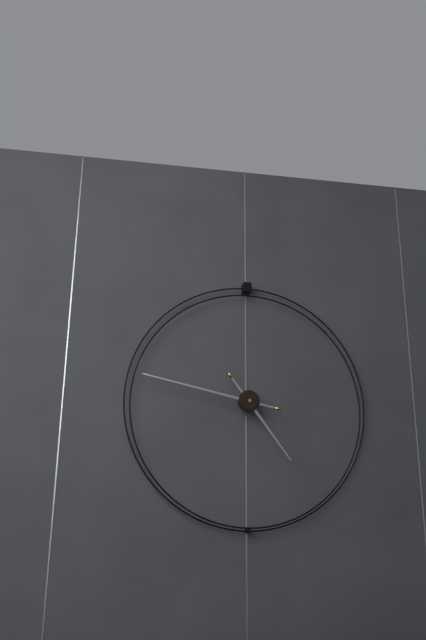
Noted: **4:47**
